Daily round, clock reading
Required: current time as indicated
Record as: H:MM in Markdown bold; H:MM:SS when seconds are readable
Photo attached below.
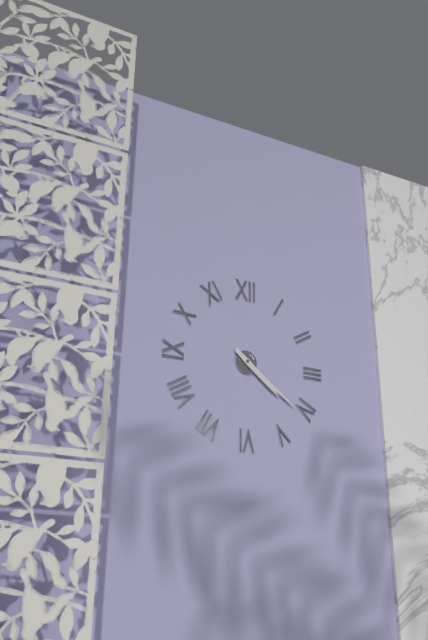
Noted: **4:21**
